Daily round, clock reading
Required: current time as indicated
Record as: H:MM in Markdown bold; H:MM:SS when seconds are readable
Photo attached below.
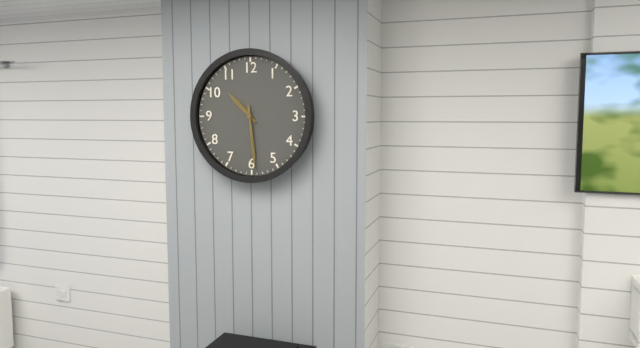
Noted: **10:29**
